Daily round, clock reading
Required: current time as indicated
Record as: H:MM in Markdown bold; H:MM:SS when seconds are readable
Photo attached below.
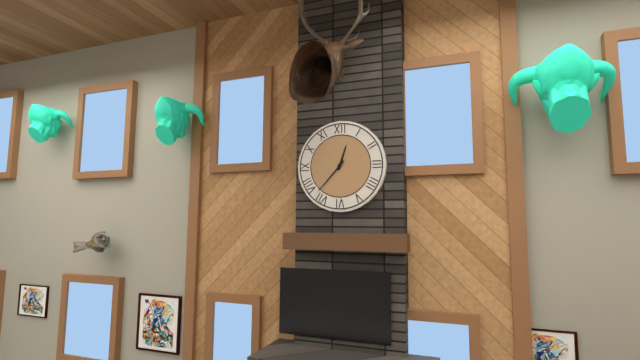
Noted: **12:37**
